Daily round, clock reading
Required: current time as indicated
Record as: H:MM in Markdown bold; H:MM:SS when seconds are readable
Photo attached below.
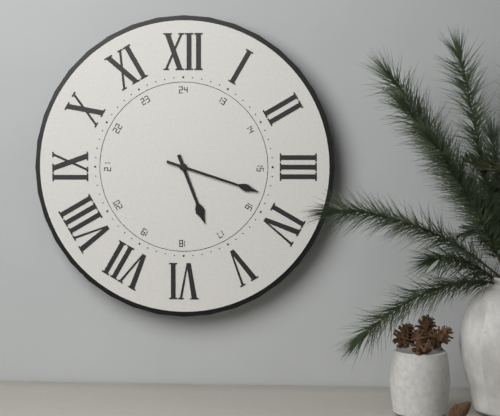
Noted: **5:18**
